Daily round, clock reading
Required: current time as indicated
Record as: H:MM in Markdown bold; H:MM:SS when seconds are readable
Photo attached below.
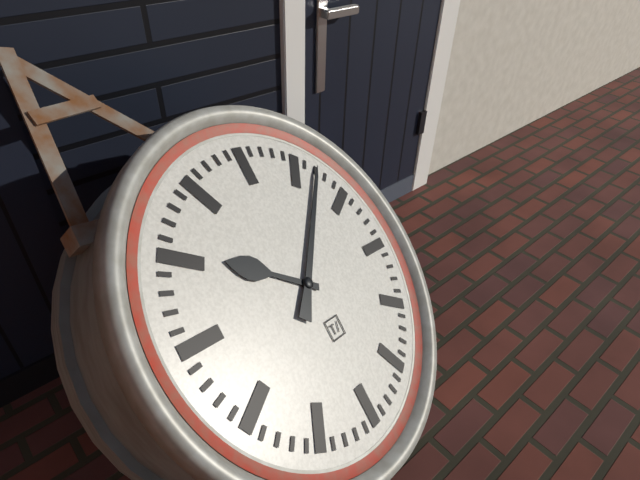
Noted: **10:07**
